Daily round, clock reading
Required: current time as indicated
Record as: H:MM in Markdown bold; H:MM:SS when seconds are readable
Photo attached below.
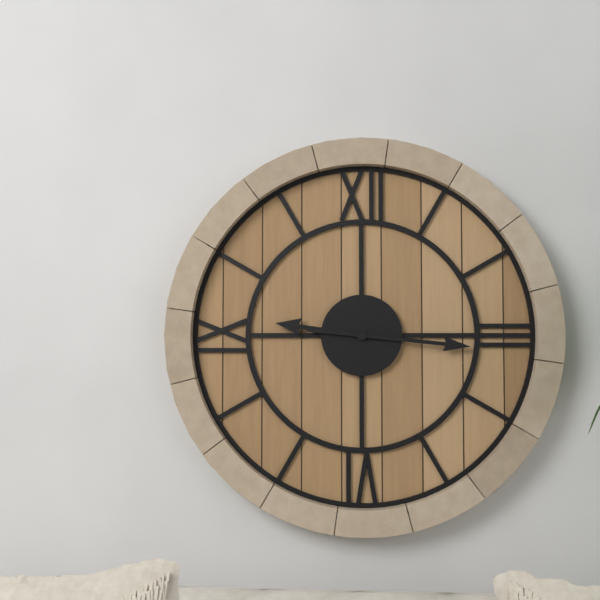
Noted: **9:16**
